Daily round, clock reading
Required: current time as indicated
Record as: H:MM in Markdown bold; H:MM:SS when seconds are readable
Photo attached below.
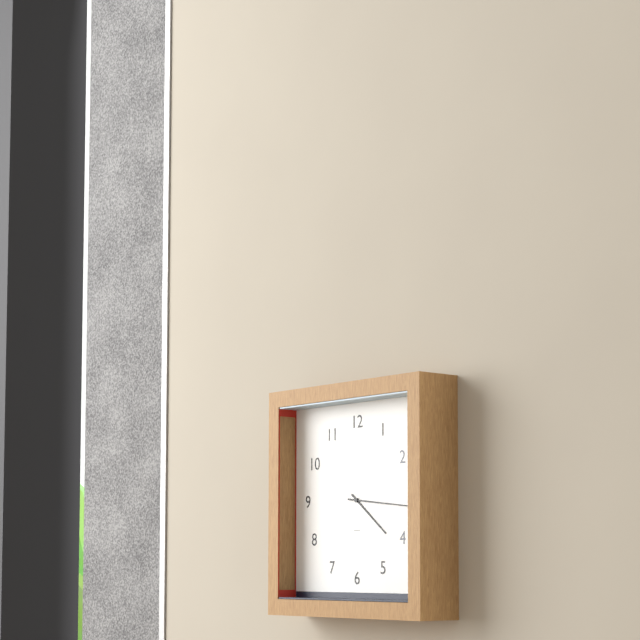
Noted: **4:16**
